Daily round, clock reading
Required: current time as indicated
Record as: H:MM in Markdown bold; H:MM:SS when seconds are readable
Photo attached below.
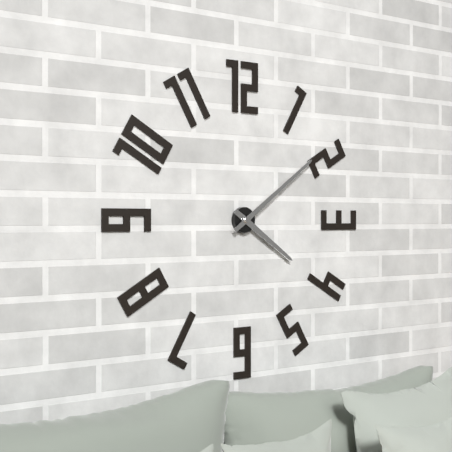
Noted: **4:09**
